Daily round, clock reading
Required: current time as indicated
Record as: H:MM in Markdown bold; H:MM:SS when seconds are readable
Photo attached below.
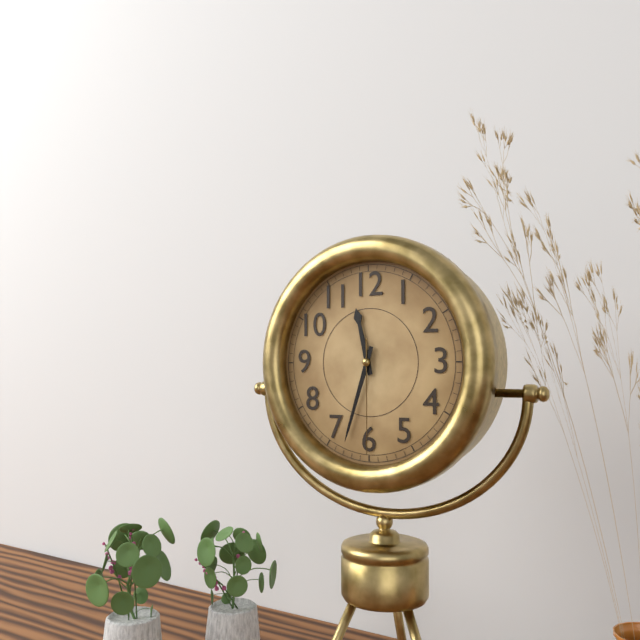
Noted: **11:33:30**
